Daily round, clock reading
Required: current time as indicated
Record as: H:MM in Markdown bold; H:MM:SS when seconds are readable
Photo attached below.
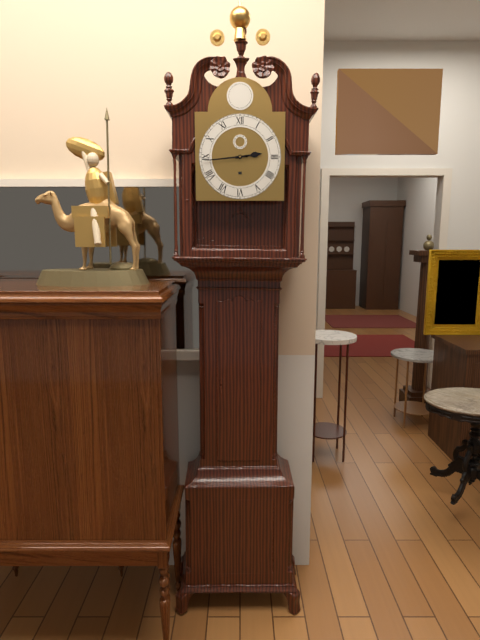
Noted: **2:44**
